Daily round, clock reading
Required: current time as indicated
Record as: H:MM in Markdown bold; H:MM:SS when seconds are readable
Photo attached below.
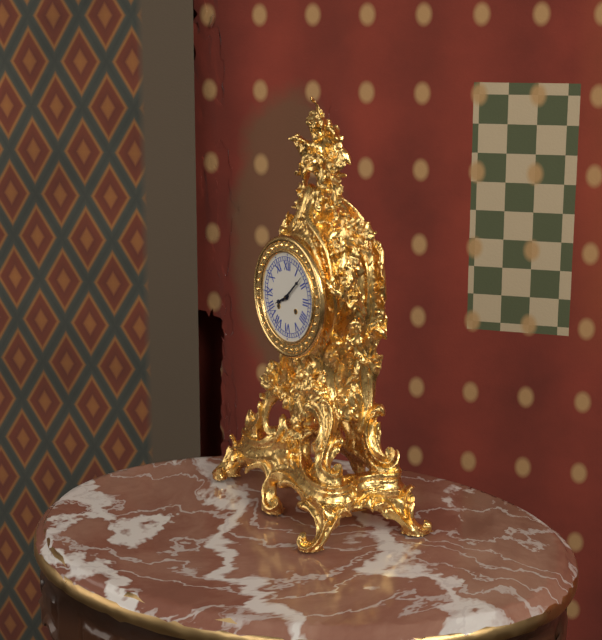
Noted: **8:08**
